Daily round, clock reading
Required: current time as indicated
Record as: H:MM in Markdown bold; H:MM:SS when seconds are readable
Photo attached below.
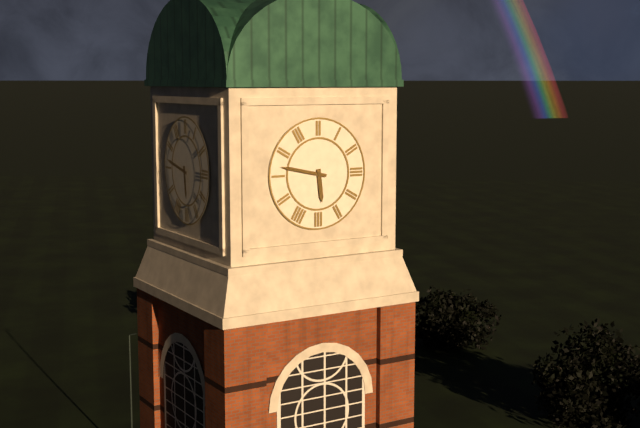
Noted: **5:47**
